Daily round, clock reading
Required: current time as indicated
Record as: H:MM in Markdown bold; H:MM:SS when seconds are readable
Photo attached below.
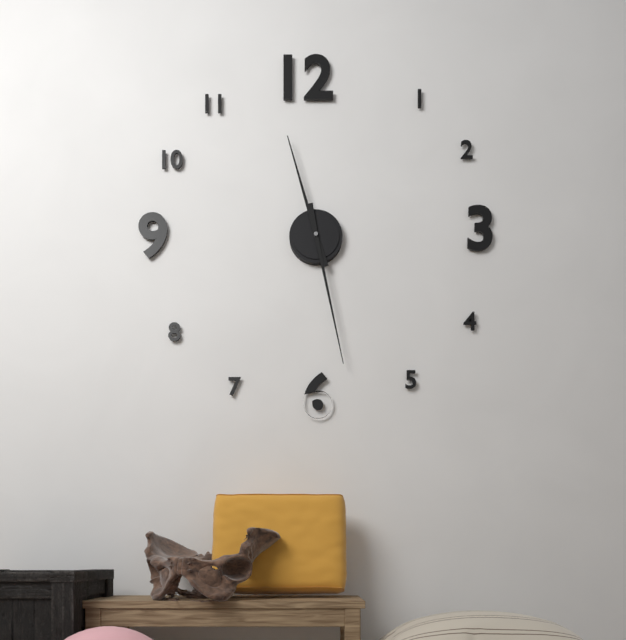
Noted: **11:28**
